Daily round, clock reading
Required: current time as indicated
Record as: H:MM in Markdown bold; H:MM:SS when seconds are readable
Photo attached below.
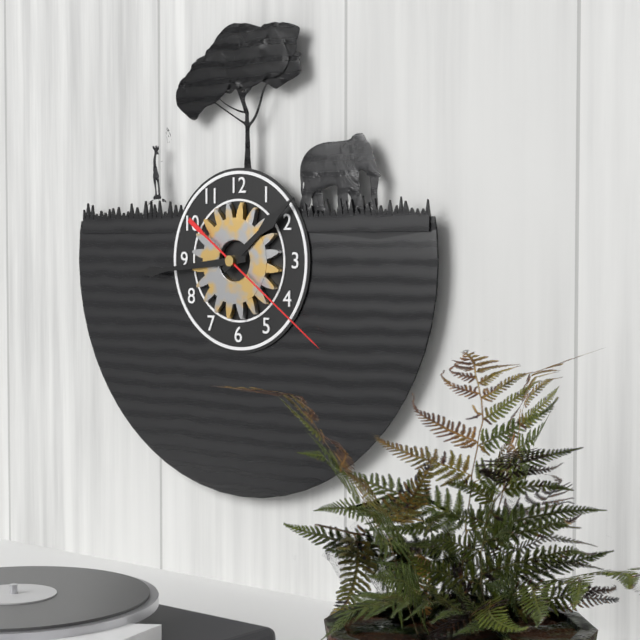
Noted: **1:44:21**
